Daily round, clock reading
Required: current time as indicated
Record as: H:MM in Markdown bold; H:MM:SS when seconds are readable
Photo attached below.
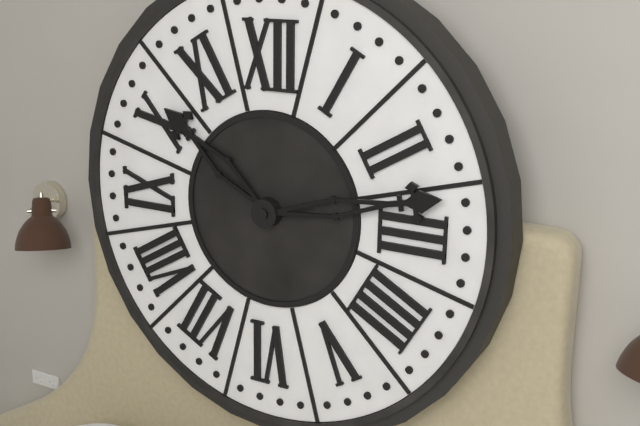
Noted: **10:13**
